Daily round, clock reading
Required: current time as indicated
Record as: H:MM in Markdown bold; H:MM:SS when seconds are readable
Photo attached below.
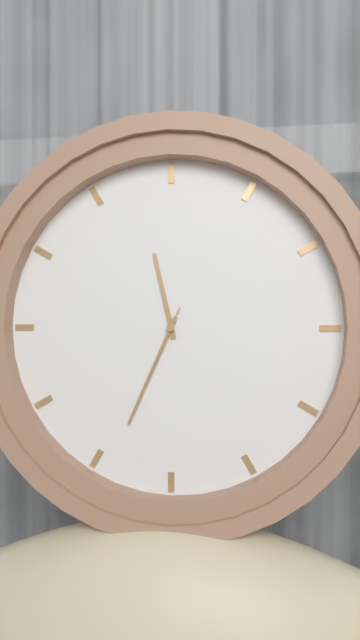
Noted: **11:34:34**
